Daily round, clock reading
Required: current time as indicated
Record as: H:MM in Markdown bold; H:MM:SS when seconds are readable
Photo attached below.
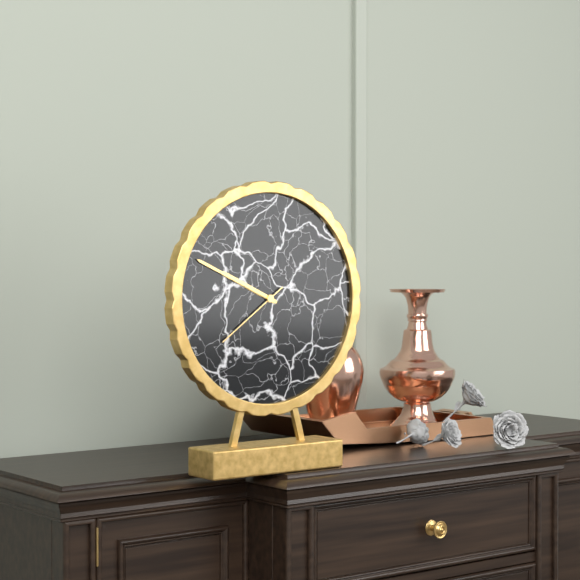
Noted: **9:49:39**
